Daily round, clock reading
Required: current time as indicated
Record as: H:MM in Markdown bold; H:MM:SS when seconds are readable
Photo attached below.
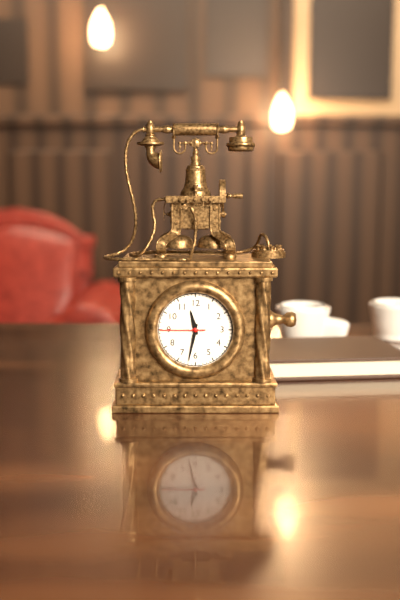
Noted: **11:32**
